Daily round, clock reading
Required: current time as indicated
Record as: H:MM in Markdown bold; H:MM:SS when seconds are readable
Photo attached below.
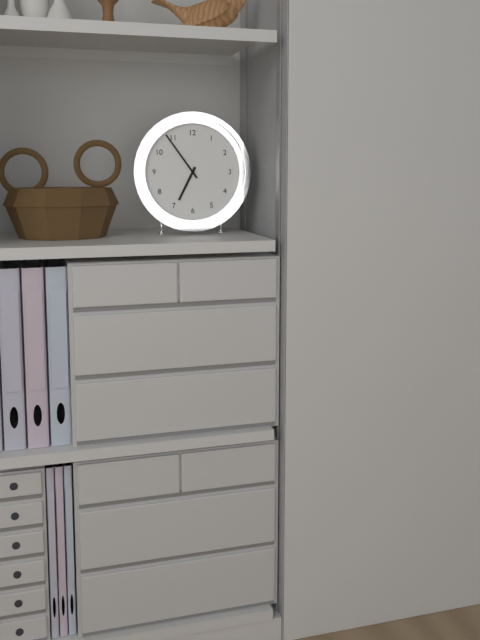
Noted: **6:54**
